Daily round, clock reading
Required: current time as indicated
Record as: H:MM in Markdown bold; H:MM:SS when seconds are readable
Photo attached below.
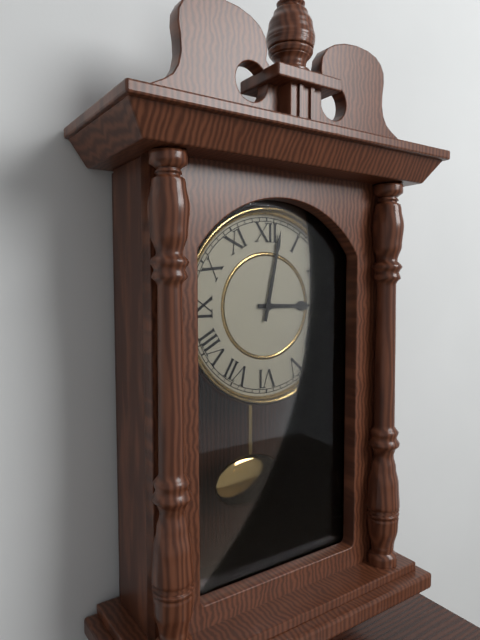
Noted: **3:02**
